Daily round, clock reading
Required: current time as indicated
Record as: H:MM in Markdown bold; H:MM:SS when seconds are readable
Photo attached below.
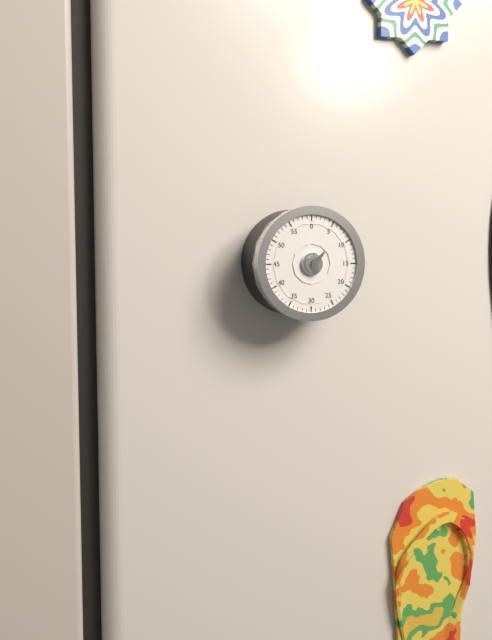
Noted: **5:07**
